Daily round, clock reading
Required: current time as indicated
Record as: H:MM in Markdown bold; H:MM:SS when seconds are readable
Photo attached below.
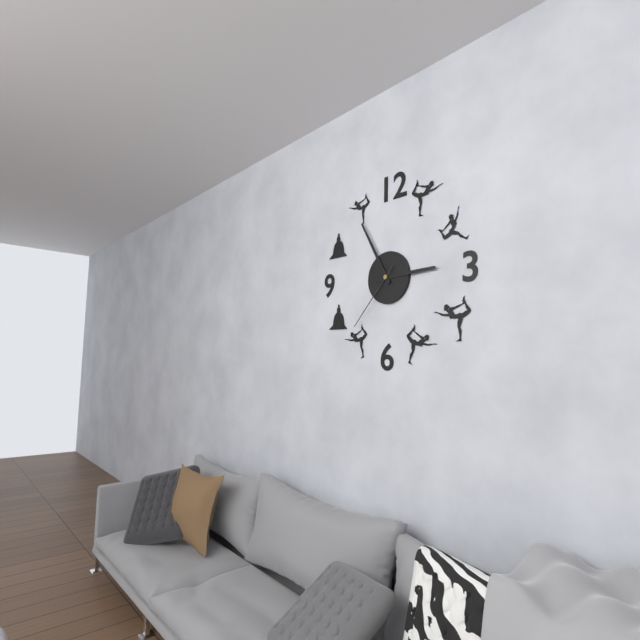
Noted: **2:55:37**
